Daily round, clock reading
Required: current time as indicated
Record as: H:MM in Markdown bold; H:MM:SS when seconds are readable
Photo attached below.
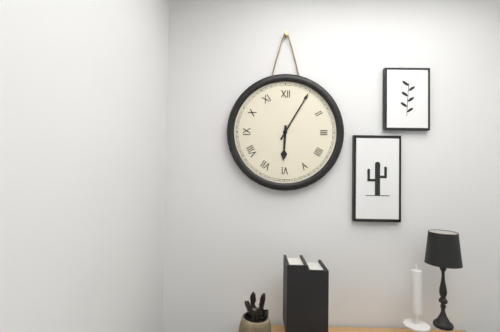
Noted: **6:05**
